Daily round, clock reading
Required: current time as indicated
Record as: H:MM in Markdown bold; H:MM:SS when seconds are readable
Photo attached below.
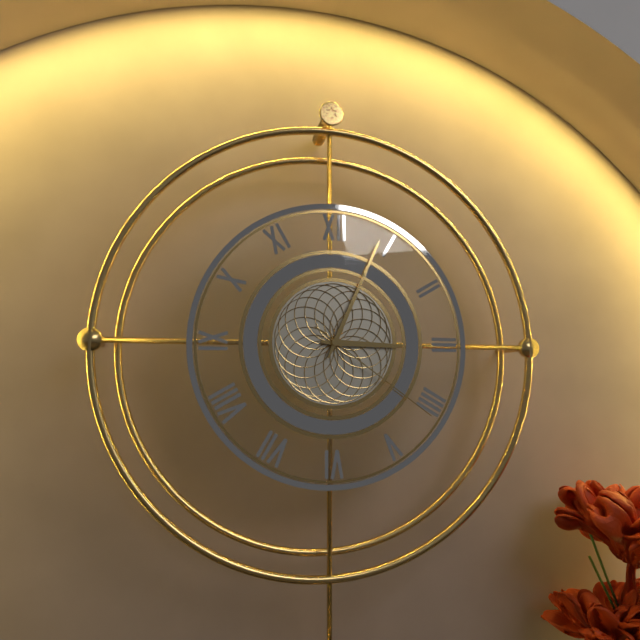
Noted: **3:04:21**
